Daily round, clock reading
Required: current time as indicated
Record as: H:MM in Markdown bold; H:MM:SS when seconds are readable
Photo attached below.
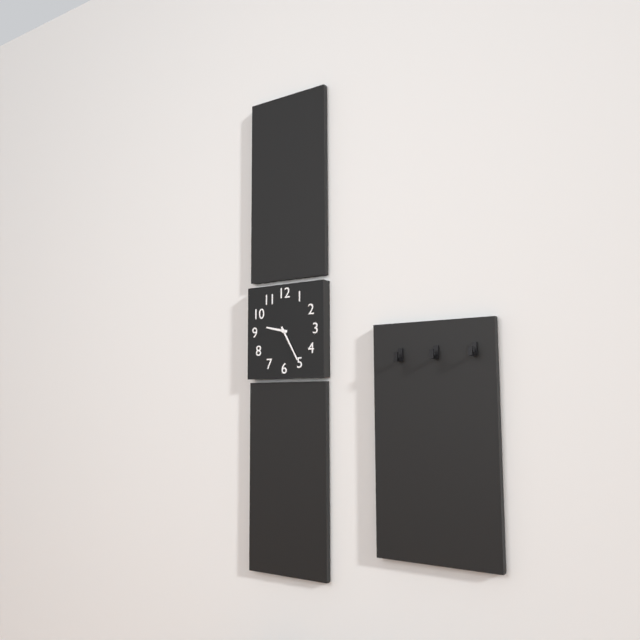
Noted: **9:25**
